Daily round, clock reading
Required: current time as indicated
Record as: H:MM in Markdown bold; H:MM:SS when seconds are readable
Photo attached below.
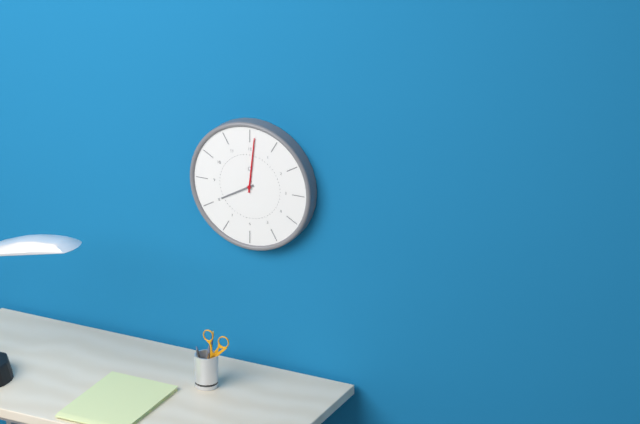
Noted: **8:01**
